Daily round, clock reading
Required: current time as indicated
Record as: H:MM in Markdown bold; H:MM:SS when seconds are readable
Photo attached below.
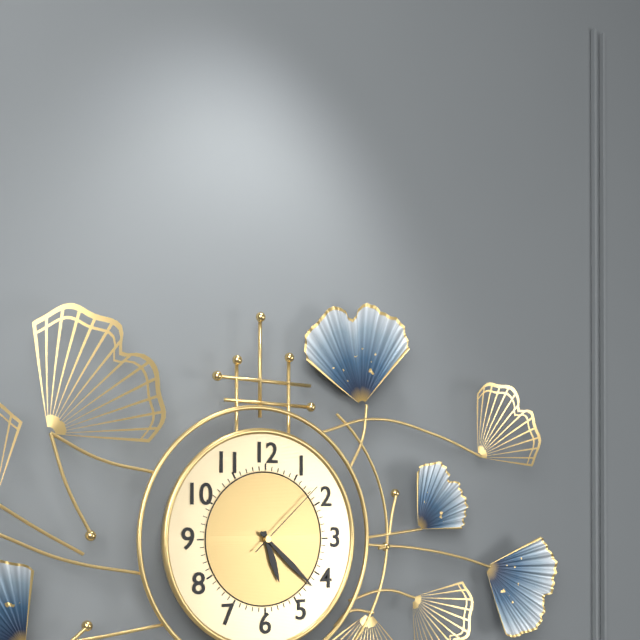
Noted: **5:22:08**
